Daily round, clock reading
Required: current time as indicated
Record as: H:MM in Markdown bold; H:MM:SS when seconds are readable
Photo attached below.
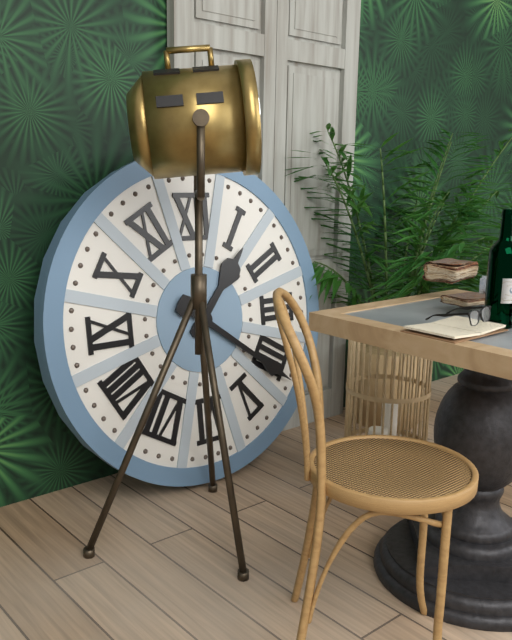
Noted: **1:21**
